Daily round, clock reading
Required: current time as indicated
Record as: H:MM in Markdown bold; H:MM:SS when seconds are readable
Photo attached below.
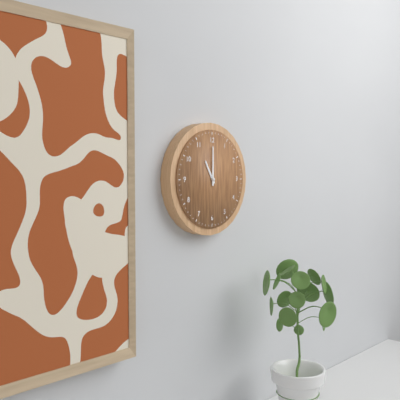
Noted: **11:00**
